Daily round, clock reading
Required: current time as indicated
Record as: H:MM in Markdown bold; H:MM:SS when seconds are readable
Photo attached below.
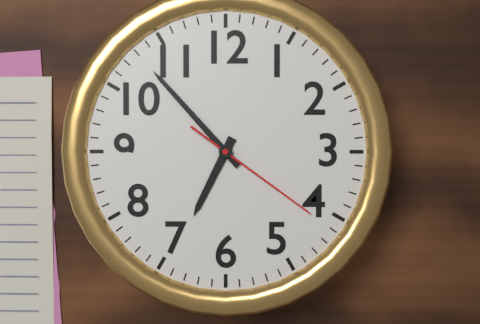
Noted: **6:53:21**
